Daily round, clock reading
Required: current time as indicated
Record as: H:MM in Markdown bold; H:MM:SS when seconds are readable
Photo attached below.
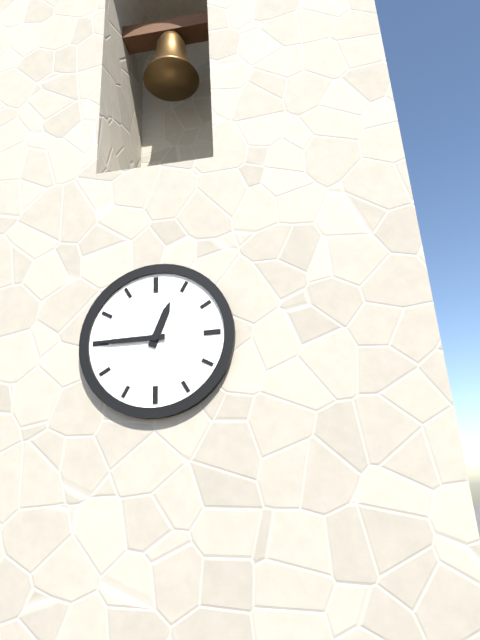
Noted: **12:45**
